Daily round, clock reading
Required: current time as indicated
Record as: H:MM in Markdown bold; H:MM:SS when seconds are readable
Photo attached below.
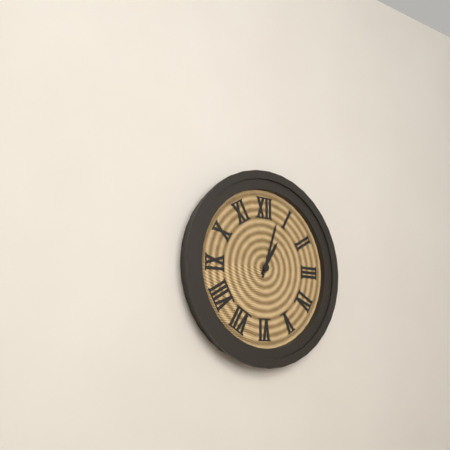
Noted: **1:03**
